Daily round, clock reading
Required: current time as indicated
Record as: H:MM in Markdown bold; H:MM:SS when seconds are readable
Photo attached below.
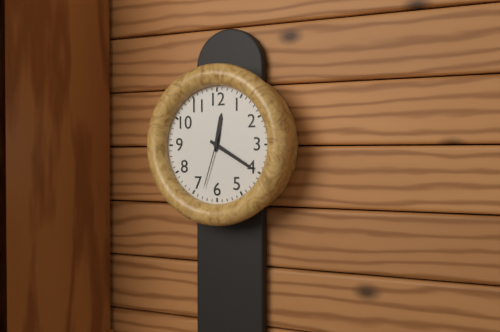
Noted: **12:20:33**
